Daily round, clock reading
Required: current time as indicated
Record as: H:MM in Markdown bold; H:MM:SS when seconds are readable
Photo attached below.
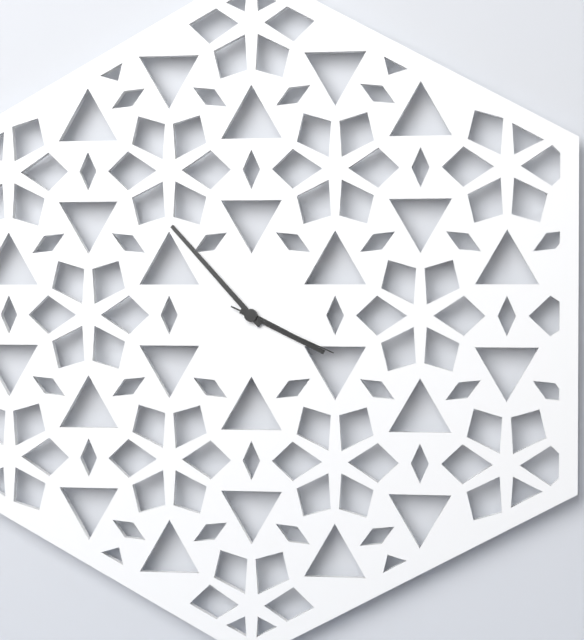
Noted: **3:53:19**
